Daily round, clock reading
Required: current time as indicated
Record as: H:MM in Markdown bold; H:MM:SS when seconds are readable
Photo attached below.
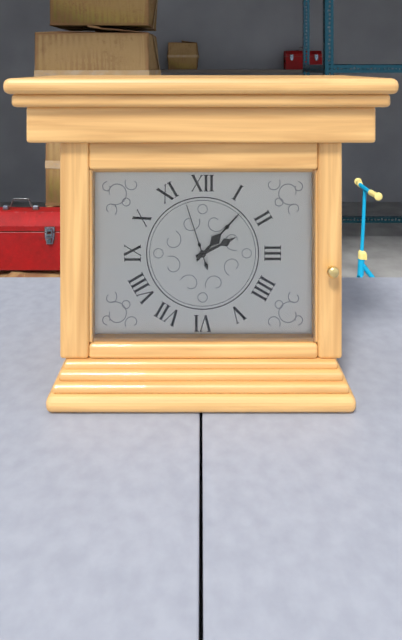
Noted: **2:07:57**
